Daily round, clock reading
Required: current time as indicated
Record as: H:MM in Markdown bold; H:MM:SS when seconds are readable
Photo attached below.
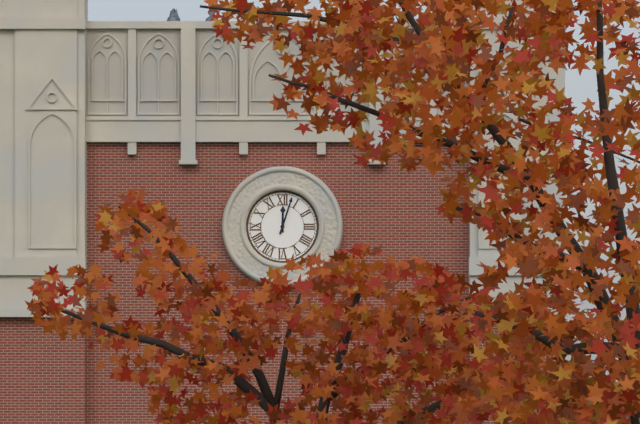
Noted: **12:03**
